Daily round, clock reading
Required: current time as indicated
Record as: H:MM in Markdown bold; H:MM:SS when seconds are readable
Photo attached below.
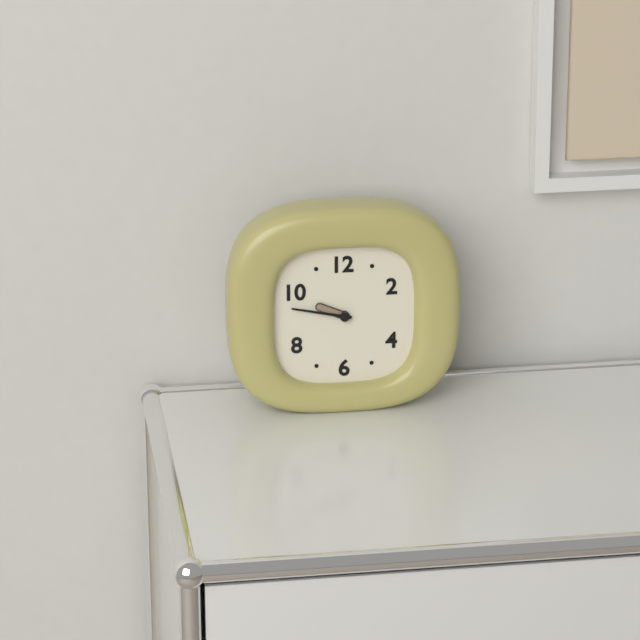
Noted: **9:47**
